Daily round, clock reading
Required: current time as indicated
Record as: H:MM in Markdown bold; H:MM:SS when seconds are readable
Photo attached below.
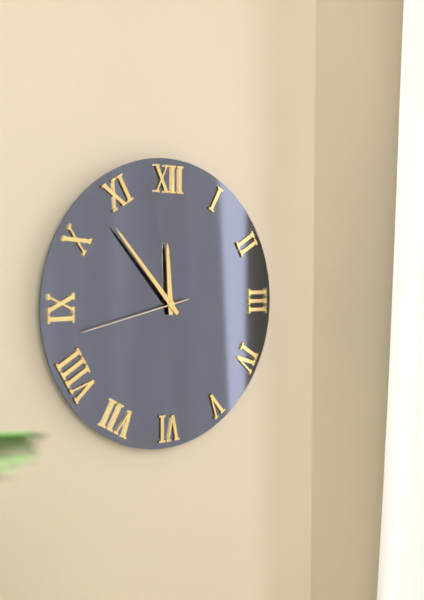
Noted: **11:53:43**
